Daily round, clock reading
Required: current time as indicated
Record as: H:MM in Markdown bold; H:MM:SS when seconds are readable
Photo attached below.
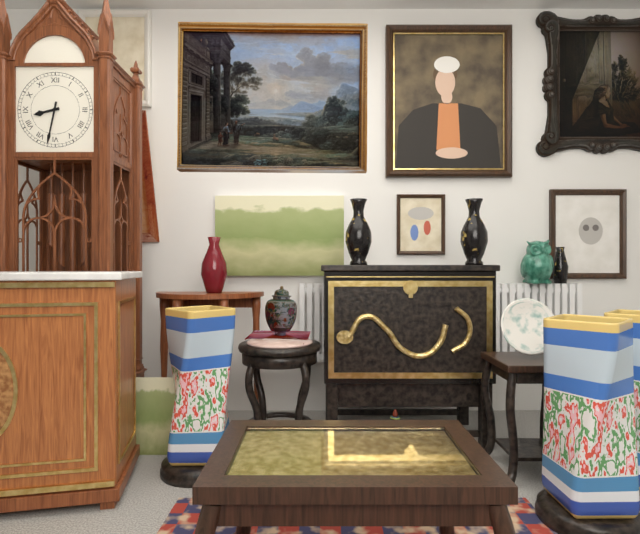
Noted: **8:32**
